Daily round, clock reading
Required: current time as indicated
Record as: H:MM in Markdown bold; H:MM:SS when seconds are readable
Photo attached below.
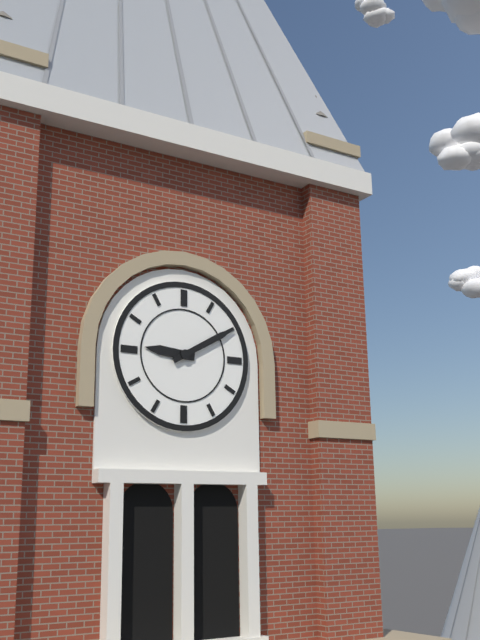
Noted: **9:10**
